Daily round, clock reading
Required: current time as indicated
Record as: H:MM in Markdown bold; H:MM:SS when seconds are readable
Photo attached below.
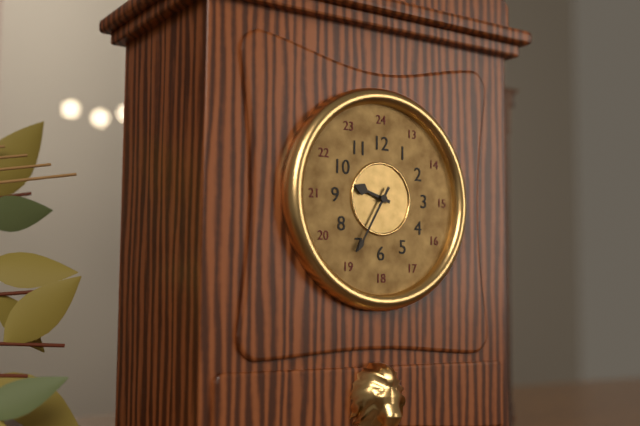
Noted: **9:35**
